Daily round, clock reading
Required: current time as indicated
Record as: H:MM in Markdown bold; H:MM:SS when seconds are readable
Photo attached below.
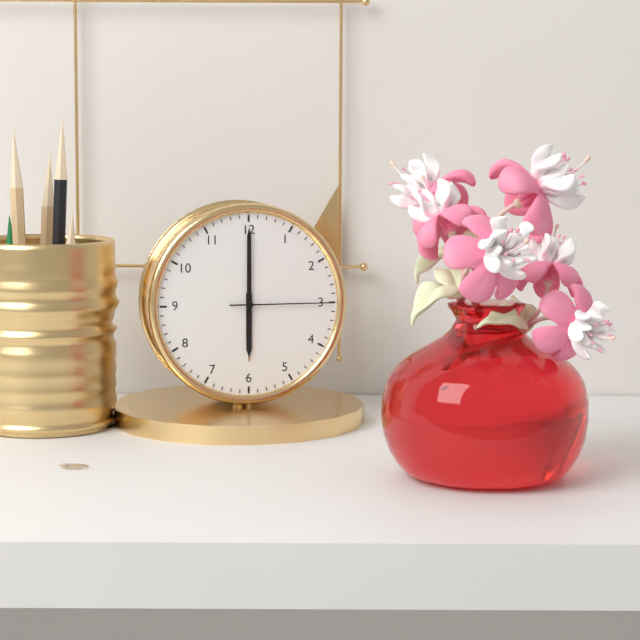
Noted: **6:00:15**
